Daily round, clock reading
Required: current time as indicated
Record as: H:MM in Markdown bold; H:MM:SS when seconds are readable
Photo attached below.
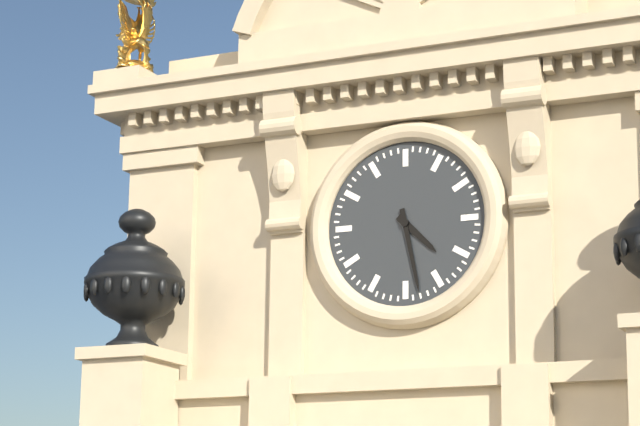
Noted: **4:28**
